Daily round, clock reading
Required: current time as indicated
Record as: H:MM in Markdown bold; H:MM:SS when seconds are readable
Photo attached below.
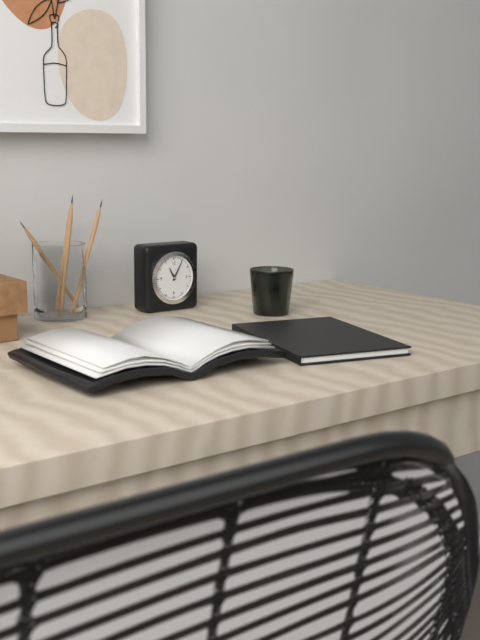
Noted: **11:05**
